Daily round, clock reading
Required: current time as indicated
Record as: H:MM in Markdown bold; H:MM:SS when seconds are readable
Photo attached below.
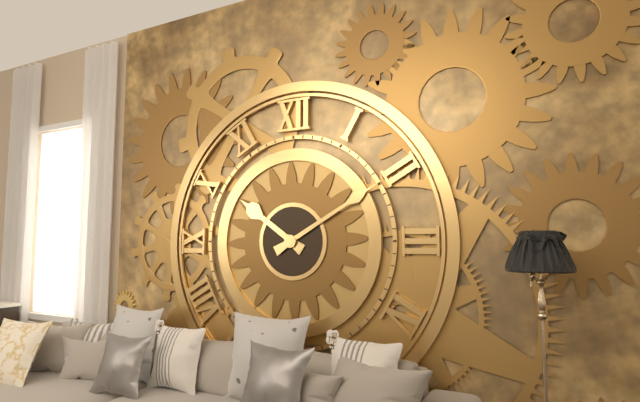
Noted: **10:10**
